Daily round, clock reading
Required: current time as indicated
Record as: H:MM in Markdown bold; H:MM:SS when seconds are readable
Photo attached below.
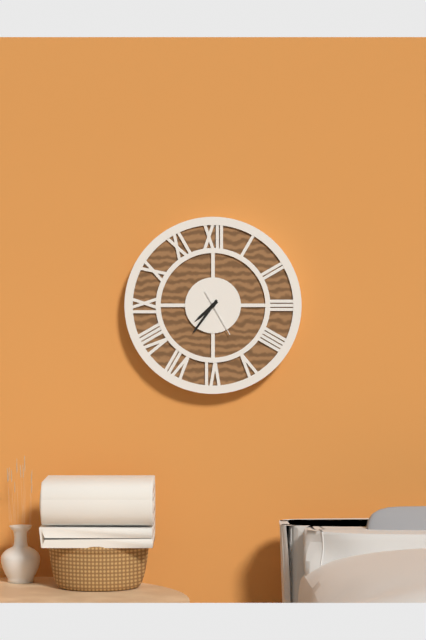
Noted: **7:36**
